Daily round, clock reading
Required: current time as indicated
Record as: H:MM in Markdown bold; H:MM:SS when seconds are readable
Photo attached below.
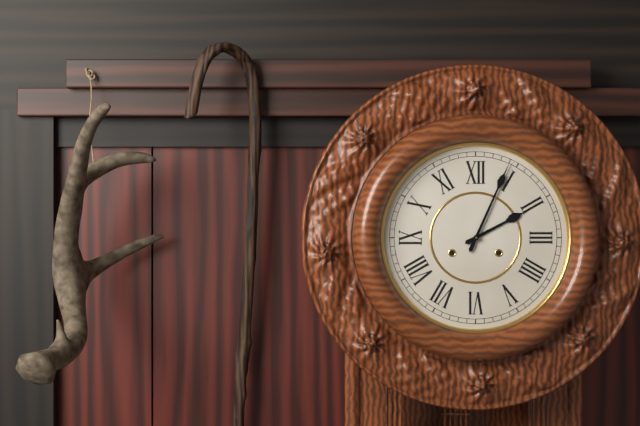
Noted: **2:04**
